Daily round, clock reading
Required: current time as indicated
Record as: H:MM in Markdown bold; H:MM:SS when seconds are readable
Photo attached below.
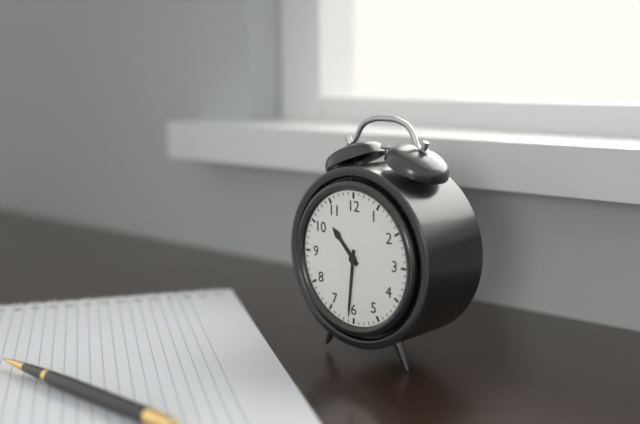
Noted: **10:31**
